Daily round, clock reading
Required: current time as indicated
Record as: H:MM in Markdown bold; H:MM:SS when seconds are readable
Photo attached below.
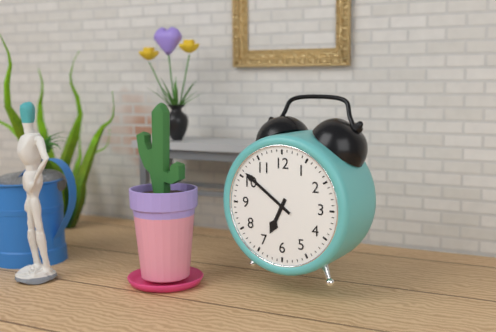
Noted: **6:51**
